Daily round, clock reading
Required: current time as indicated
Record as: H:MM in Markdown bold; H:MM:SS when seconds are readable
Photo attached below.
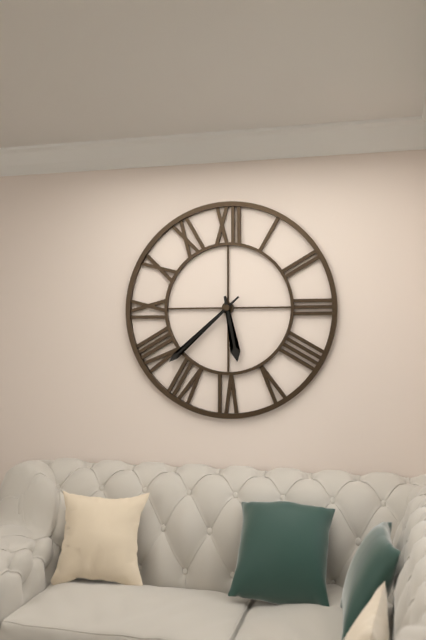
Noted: **5:38**
